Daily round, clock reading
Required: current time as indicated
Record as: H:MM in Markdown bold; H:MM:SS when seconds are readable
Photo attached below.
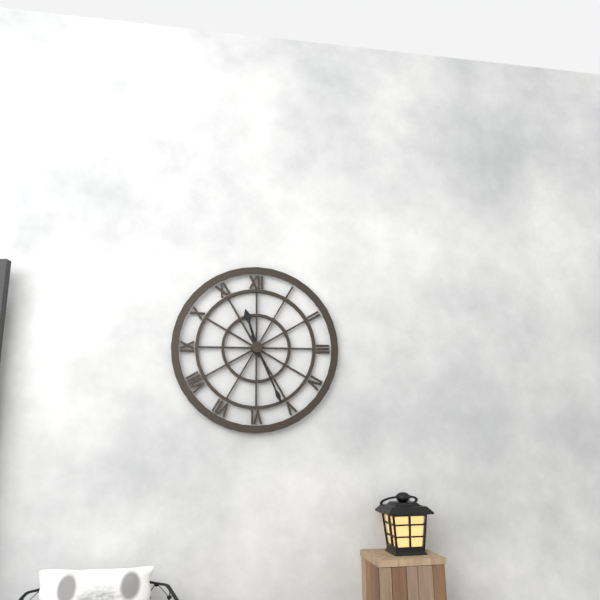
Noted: **11:26**
